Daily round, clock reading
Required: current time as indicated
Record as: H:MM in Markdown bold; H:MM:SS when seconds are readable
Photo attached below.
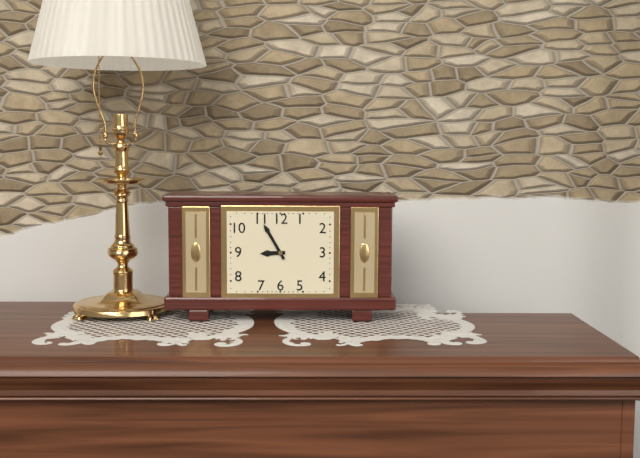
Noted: **8:55**
